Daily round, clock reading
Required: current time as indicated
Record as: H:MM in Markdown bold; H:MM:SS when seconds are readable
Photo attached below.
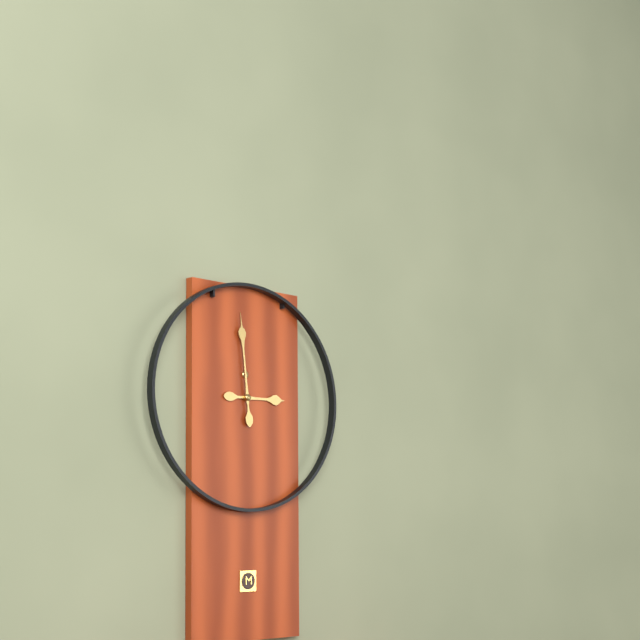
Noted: **2:59**
